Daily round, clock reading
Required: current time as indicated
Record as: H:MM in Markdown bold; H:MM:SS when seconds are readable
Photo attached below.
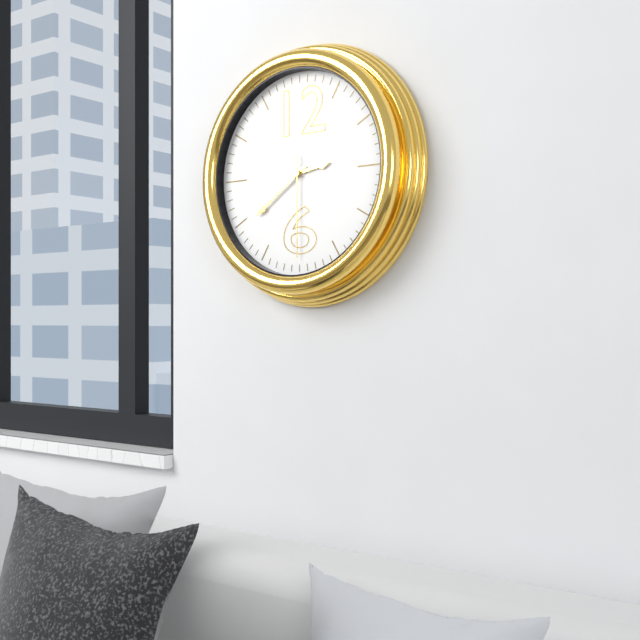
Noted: **2:39:30**
